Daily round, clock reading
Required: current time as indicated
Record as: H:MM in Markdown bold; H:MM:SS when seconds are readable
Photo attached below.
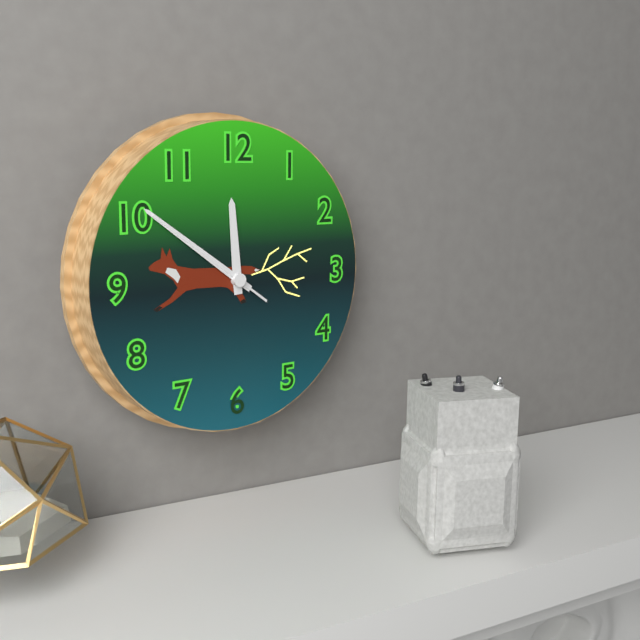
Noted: **11:51:51**
